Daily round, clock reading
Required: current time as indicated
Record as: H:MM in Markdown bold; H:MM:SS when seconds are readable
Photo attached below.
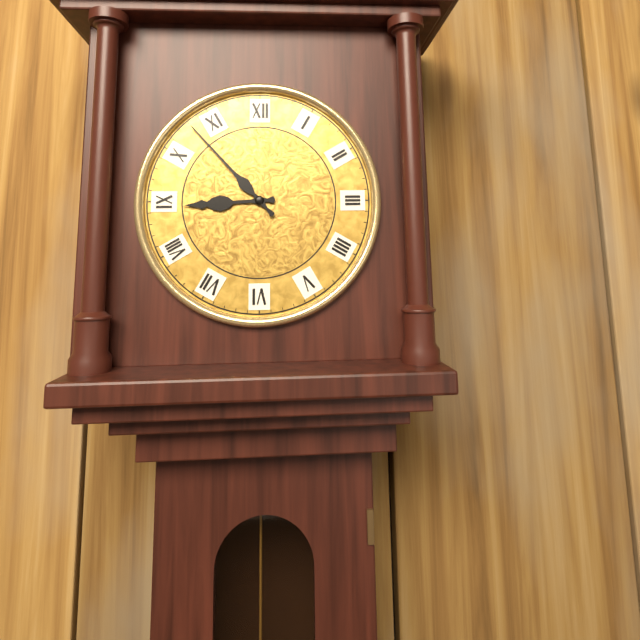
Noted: **8:53**
